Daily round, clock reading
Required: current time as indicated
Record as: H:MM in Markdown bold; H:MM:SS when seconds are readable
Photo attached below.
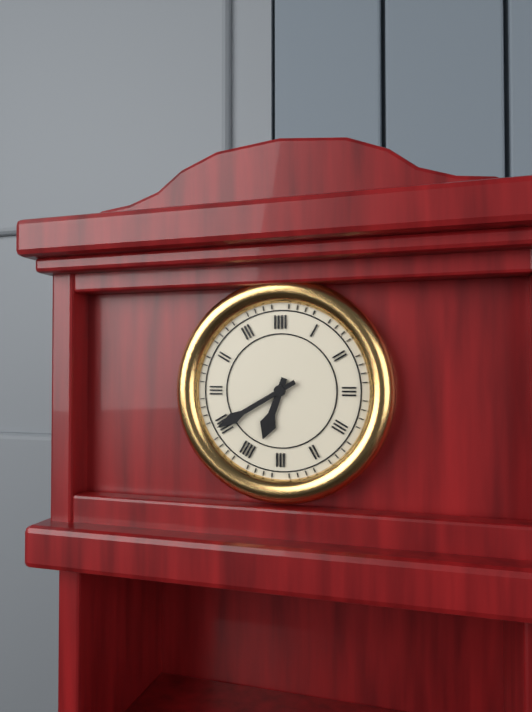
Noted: **6:40**
